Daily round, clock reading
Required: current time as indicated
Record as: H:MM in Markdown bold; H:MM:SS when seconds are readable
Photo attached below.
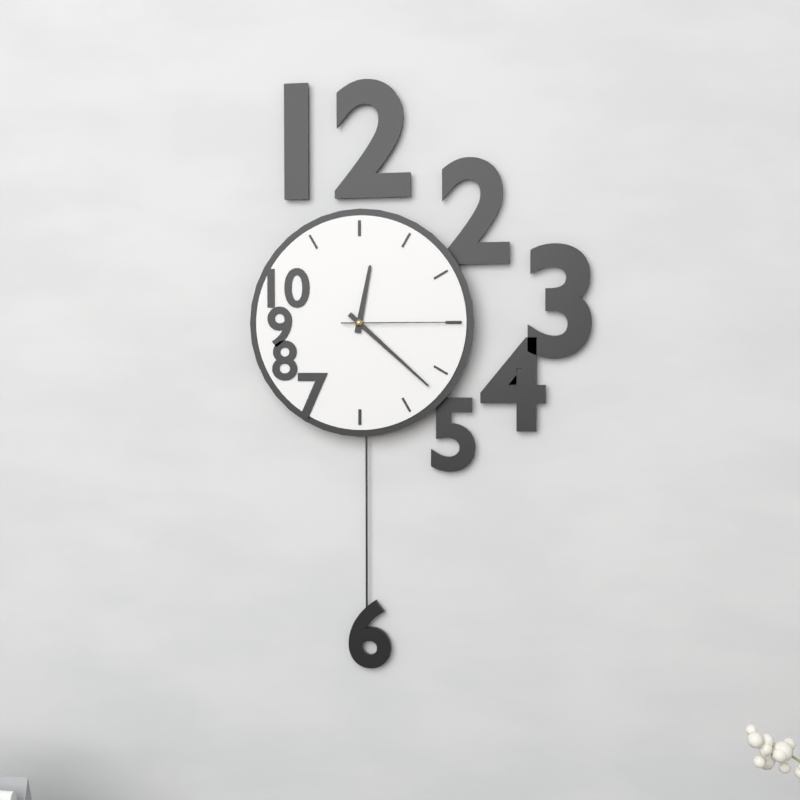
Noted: **12:22:15**
